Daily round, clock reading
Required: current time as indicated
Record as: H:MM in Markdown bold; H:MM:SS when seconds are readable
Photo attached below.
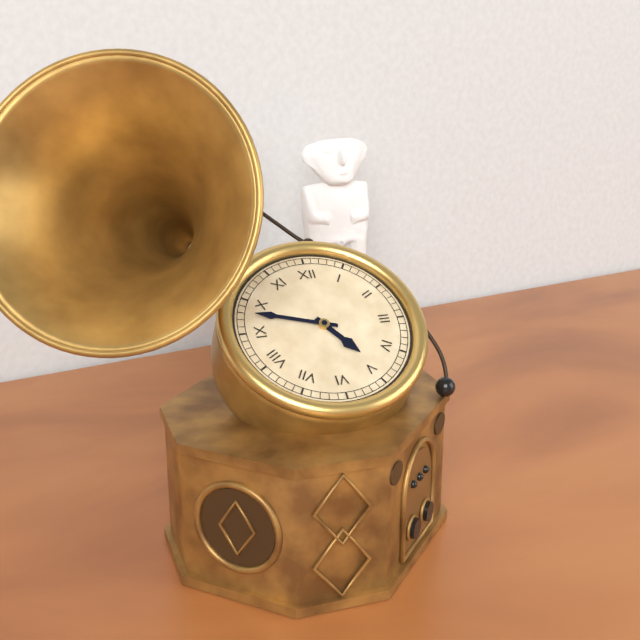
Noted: **4:48**
